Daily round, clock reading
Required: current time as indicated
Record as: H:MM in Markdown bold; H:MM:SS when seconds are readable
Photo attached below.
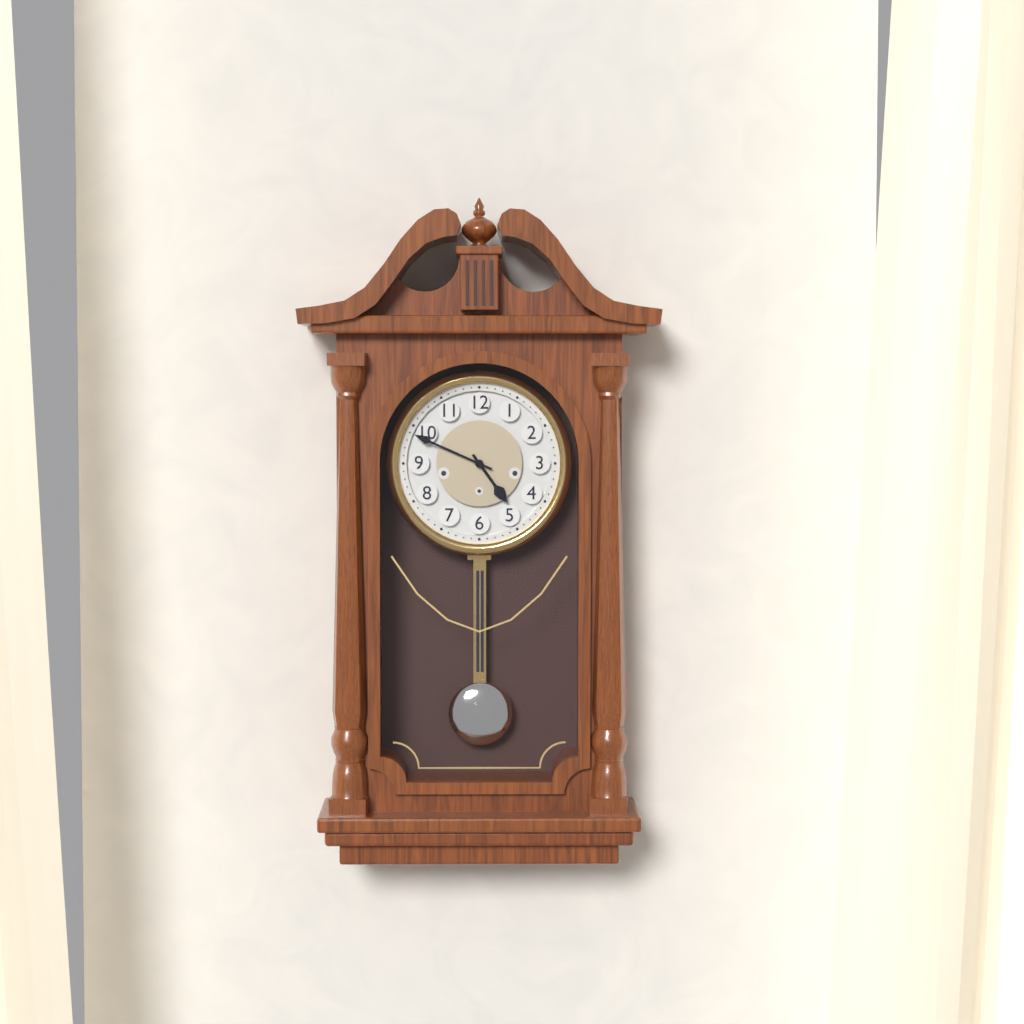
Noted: **4:49**
